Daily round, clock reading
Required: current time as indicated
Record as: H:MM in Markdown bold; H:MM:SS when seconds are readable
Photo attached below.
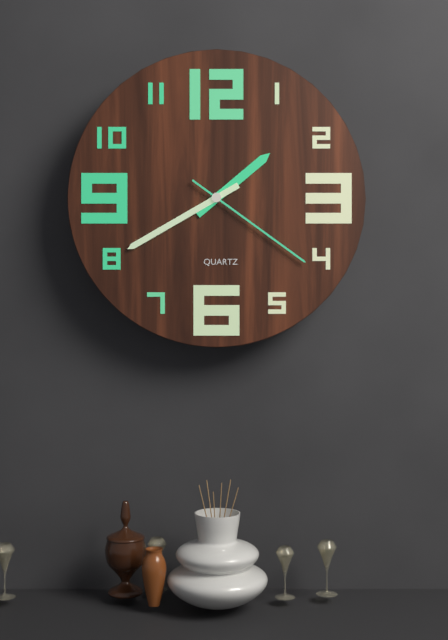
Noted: **1:40:21**
